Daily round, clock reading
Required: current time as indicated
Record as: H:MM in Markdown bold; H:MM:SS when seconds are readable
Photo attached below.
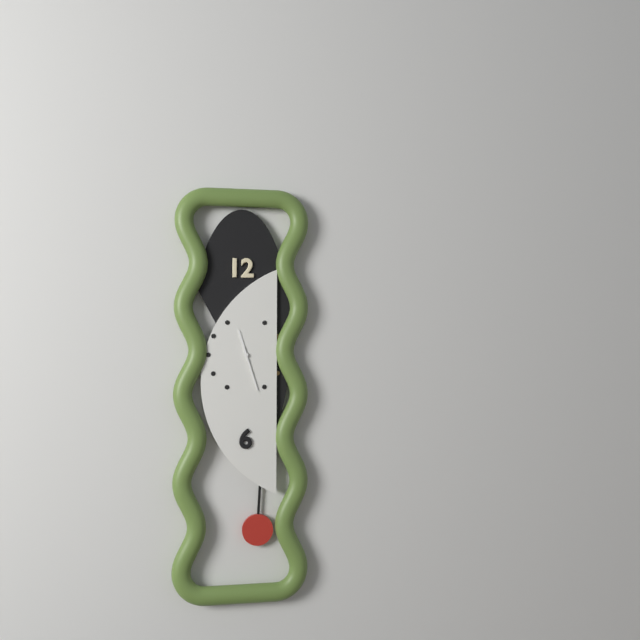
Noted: **11:27**
